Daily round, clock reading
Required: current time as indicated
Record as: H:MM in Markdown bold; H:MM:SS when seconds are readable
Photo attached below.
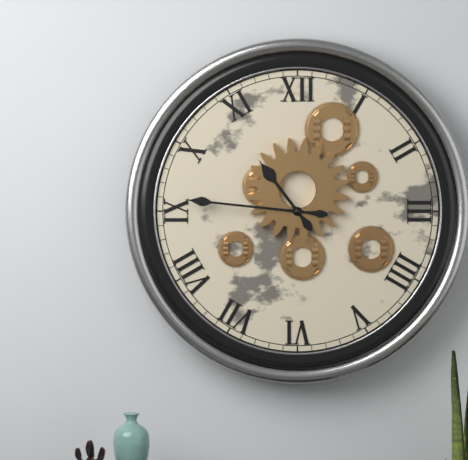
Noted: **10:46**
